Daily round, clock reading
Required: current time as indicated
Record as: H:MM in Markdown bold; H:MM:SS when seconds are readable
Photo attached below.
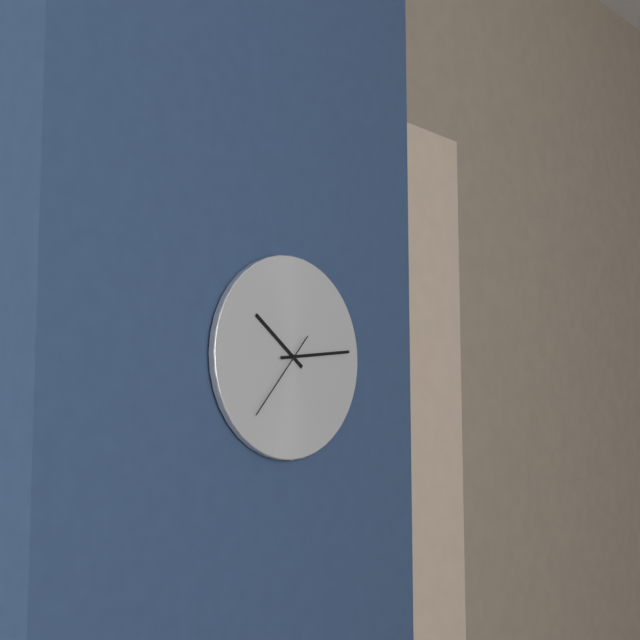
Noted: **10:14:37**
